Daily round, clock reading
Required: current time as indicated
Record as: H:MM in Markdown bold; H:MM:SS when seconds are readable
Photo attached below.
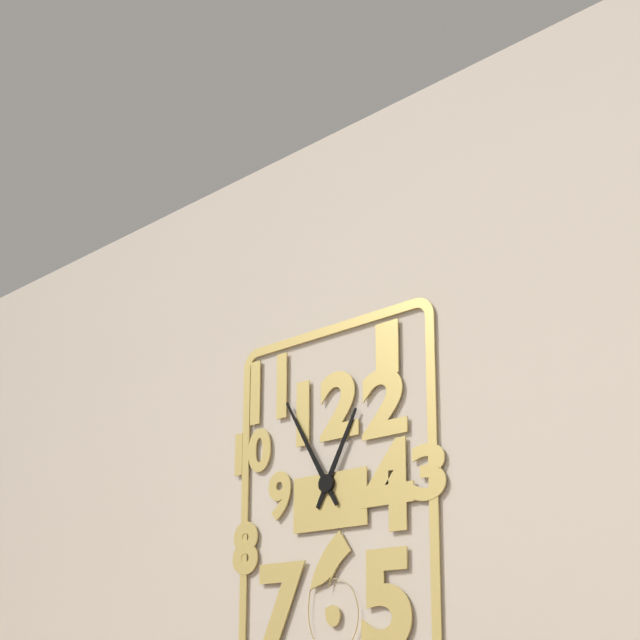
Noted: **12:55**
